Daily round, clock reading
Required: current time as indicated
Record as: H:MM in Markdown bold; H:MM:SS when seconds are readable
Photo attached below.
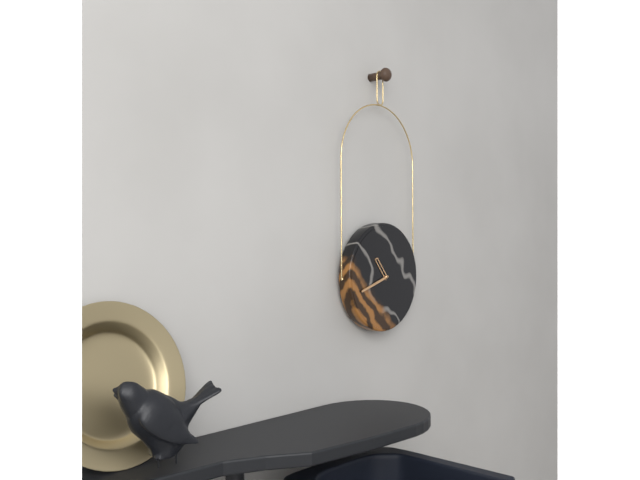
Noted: **10:42**
